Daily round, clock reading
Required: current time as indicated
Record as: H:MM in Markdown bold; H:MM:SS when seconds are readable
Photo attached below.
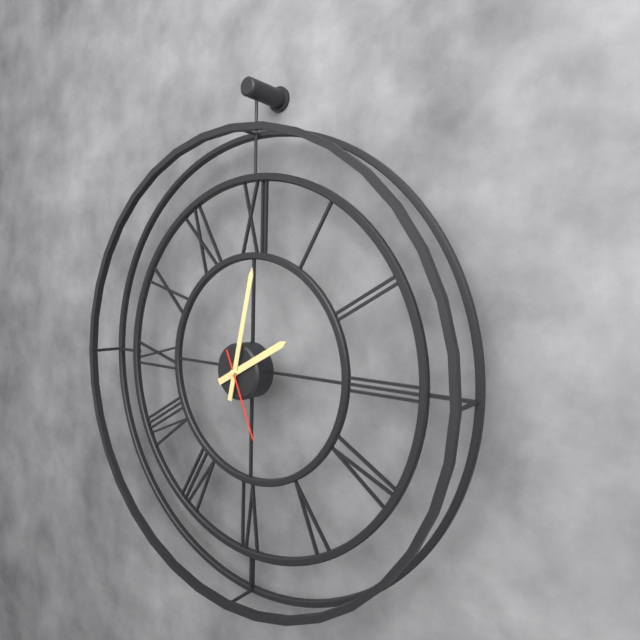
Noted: **2:02:26**
